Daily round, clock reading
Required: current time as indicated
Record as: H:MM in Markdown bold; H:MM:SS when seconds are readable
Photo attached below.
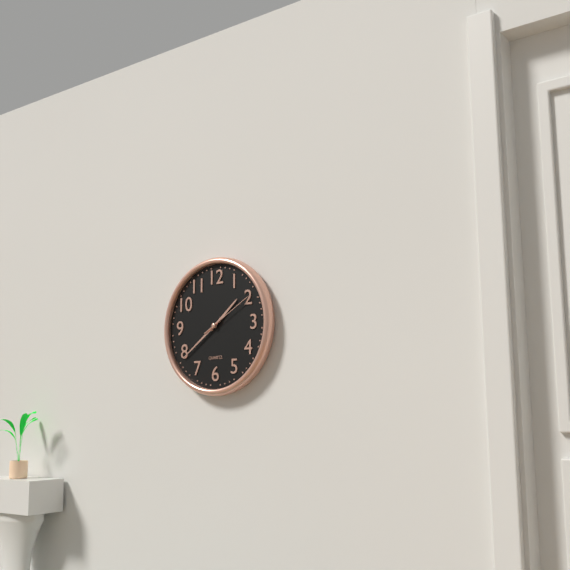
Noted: **1:39:10**
